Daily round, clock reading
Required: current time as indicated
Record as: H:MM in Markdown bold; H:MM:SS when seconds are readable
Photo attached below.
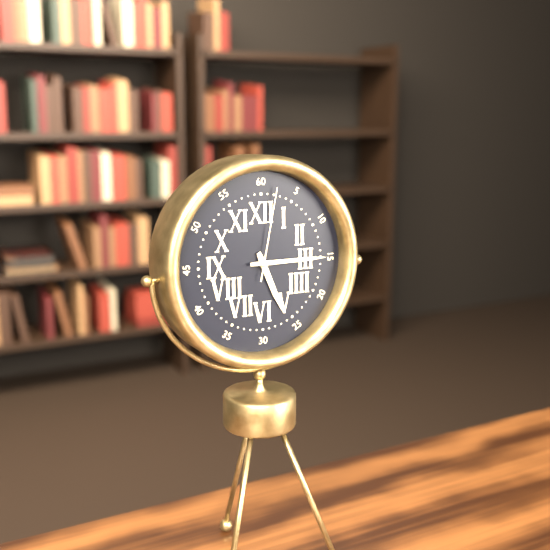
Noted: **5:15:02**
